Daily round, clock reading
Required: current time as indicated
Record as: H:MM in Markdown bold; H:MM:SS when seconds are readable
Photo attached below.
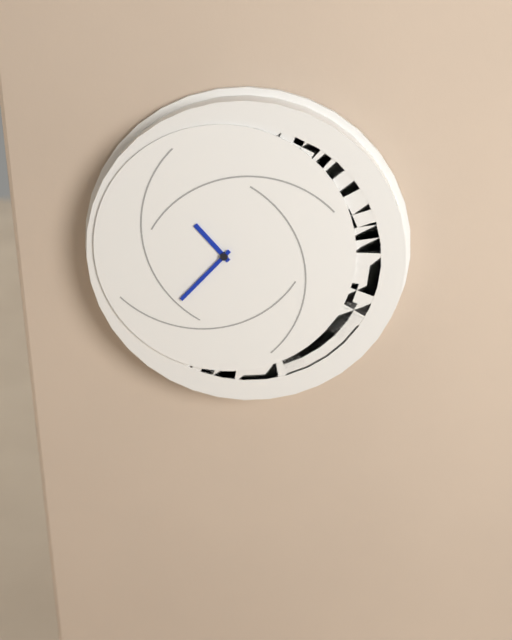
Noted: **10:37**
